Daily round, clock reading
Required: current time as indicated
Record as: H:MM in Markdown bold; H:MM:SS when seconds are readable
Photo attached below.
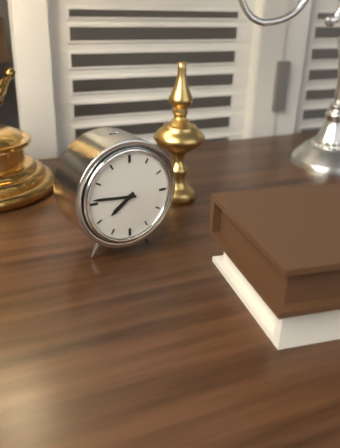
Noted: **7:46**
